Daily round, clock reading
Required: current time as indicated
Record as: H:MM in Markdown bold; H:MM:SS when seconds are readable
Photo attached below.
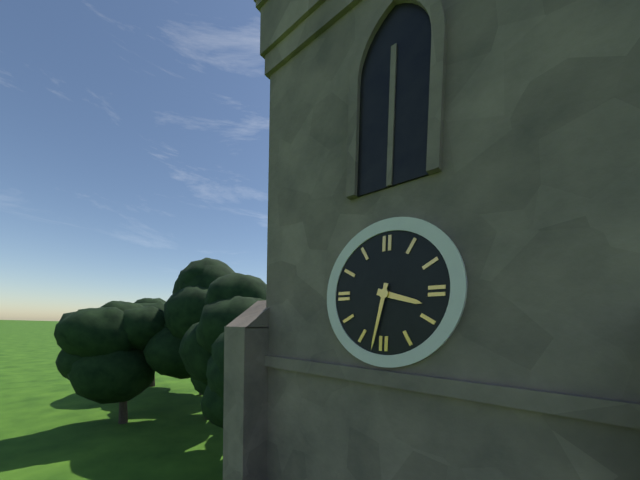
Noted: **3:32**
